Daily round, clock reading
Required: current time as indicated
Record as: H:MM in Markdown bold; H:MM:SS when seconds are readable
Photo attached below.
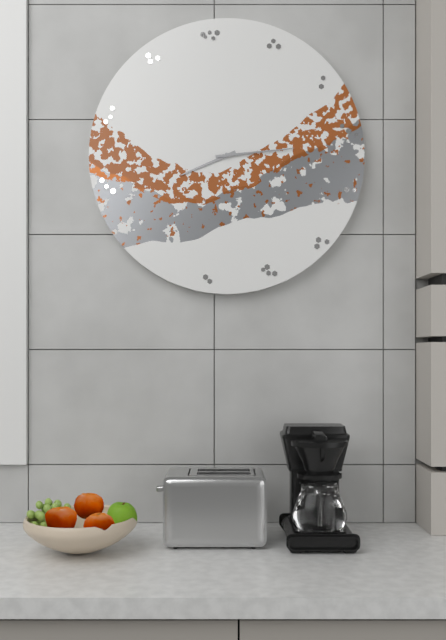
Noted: **8:14**
